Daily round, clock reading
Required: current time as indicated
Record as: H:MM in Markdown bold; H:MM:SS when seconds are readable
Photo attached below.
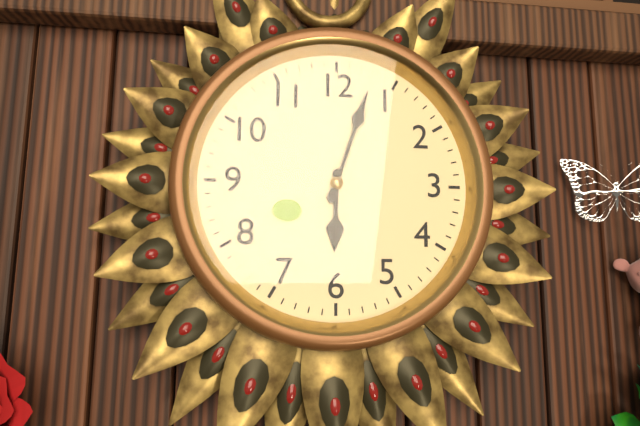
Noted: **6:03**
